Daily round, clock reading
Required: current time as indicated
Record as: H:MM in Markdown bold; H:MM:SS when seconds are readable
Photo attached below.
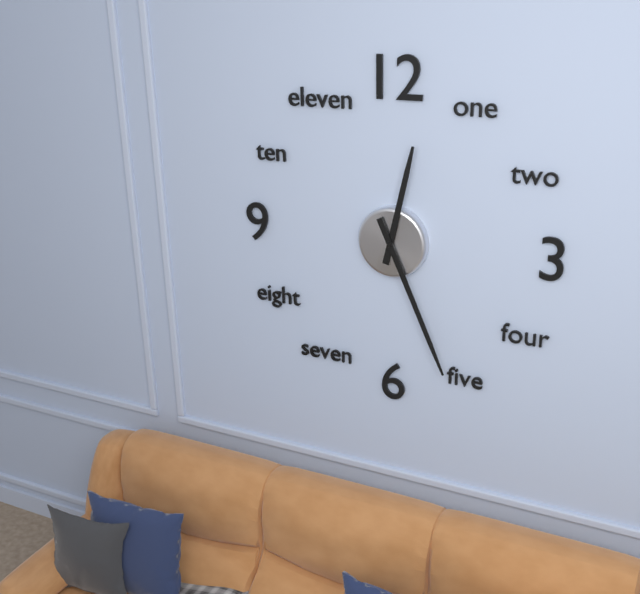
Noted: **12:26**
